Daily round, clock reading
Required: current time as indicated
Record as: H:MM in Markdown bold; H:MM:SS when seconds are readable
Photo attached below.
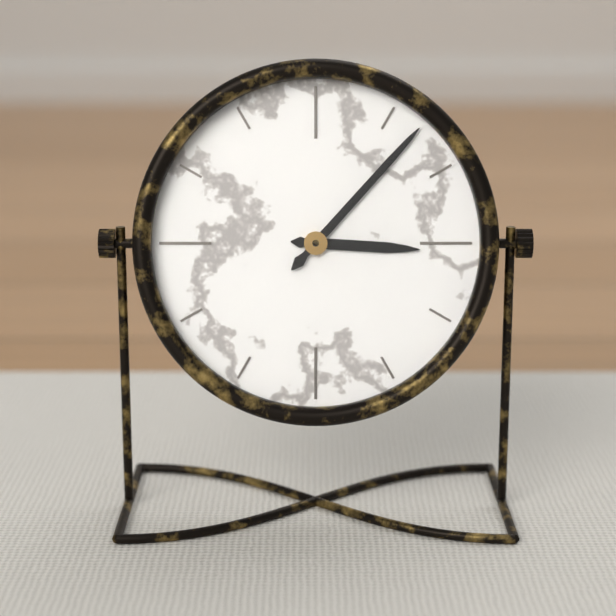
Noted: **3:07**
